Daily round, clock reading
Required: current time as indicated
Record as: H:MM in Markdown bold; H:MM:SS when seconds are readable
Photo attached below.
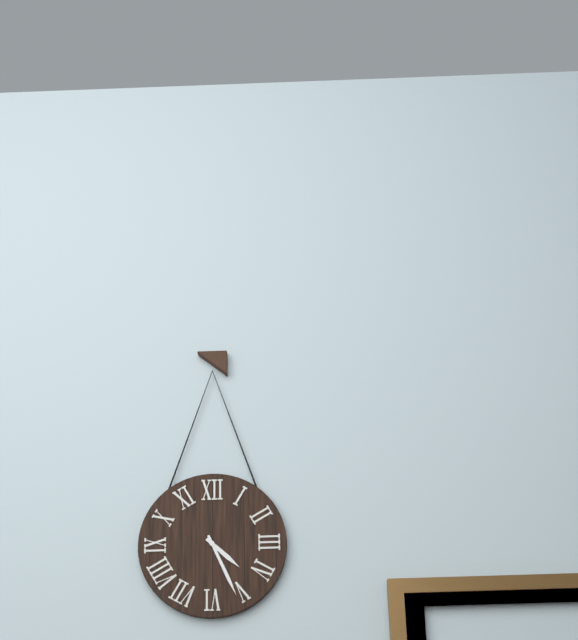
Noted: **4:26**
